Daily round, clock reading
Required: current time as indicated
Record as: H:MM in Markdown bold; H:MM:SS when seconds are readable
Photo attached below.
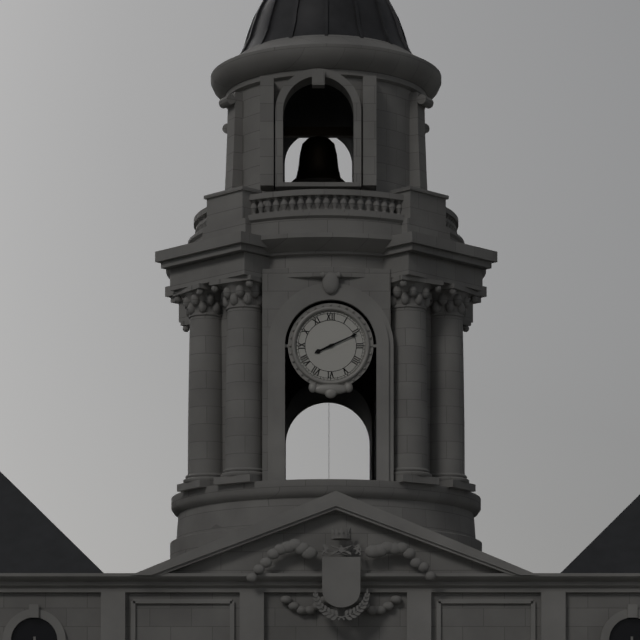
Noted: **8:11**
